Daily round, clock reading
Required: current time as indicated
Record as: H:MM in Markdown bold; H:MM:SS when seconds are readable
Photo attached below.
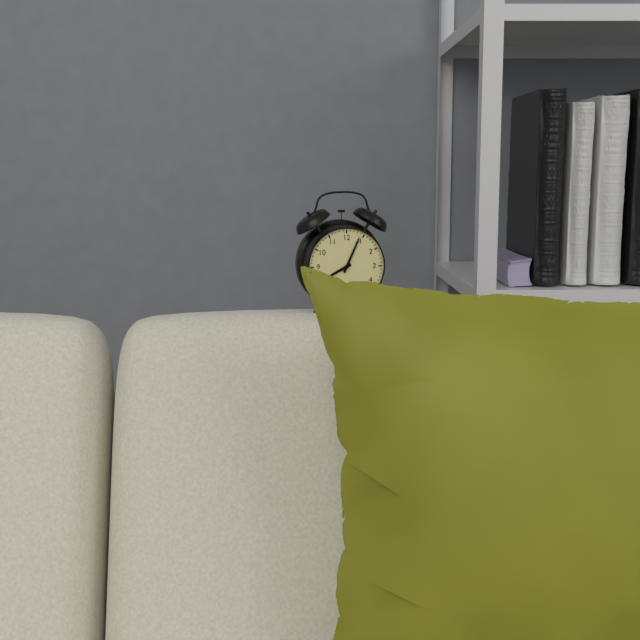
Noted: **8:04**
